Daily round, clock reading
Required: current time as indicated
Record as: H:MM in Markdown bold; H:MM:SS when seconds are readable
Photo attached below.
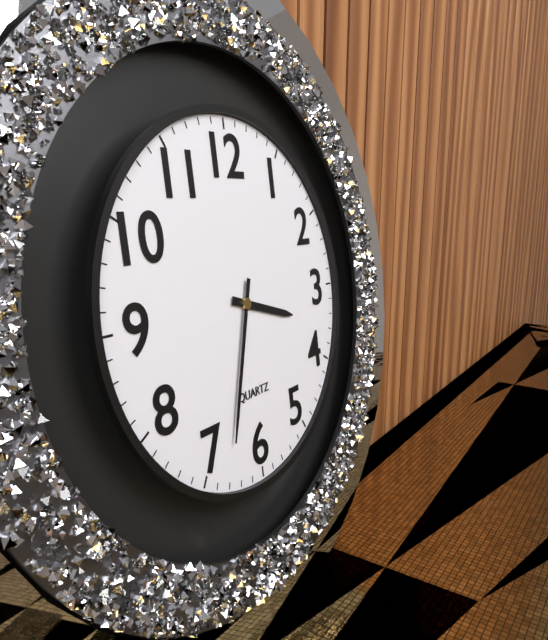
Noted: **3:33**
